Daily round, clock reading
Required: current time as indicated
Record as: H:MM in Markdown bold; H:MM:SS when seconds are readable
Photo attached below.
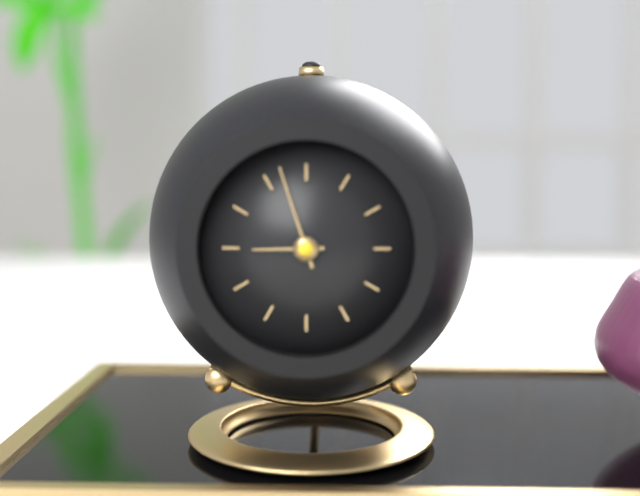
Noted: **8:57**
